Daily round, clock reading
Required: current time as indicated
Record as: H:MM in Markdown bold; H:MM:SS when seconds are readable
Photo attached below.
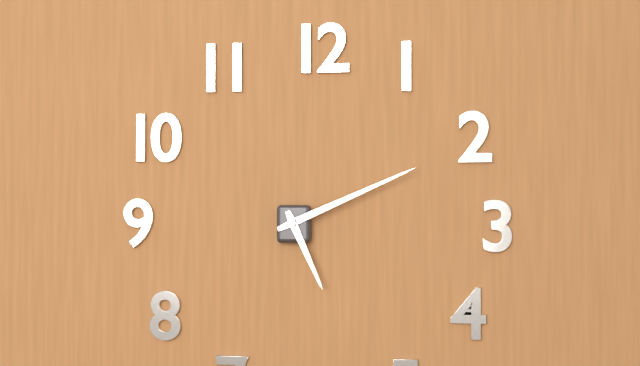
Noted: **5:11**
